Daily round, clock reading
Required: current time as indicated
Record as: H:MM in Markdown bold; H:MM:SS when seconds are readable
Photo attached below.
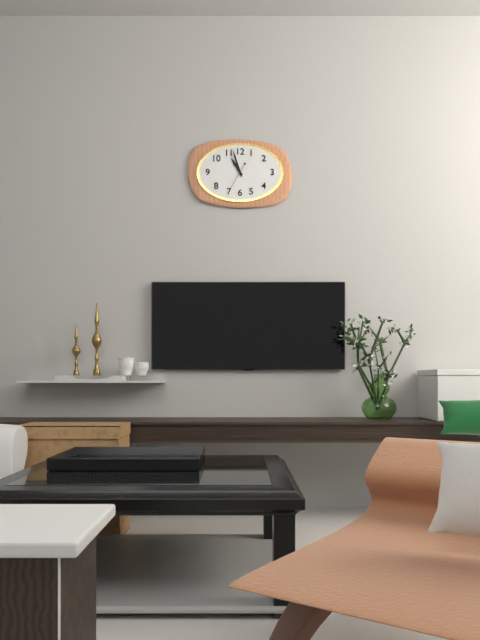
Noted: **10:57**
